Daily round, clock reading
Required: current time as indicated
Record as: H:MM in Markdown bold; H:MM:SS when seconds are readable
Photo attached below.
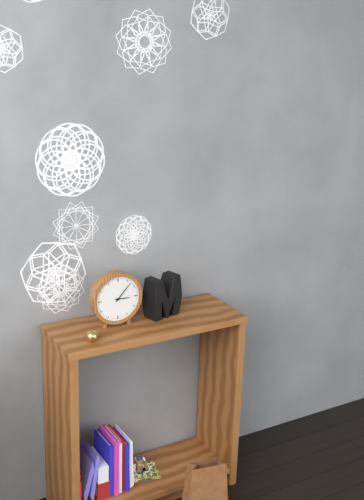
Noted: **3:07**
